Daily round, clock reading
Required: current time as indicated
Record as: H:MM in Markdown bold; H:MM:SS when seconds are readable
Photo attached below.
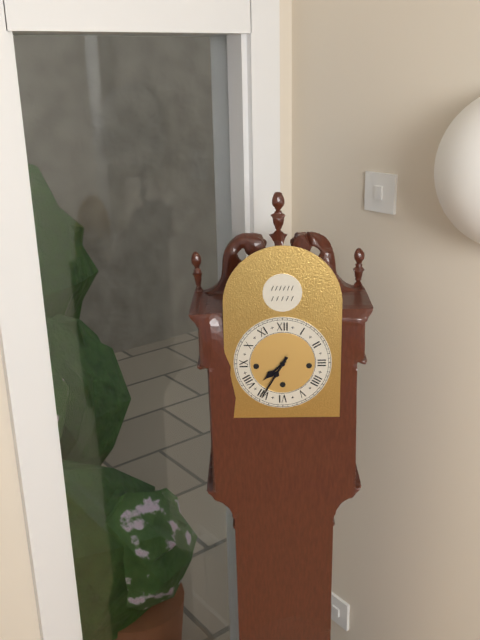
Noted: **7:35**
